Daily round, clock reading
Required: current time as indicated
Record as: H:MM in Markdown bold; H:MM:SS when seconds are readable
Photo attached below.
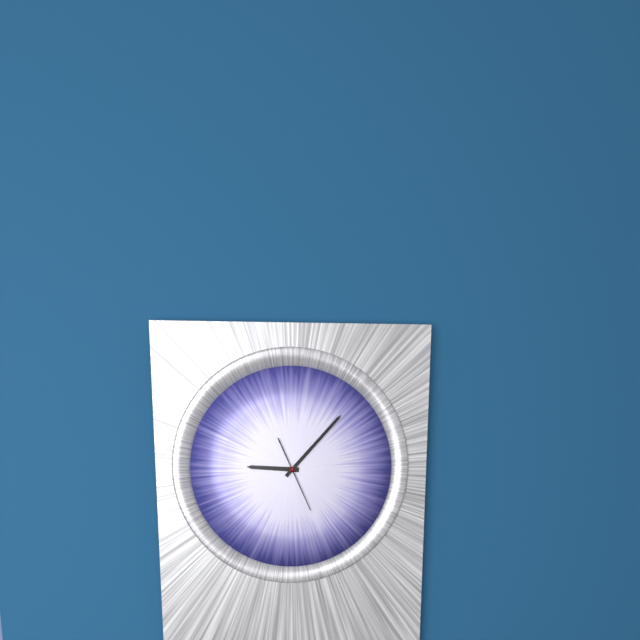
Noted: **9:07:26**
